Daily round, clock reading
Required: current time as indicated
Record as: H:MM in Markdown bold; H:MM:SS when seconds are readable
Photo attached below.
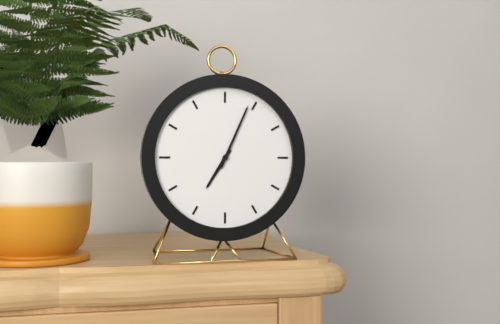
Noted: **7:04**
